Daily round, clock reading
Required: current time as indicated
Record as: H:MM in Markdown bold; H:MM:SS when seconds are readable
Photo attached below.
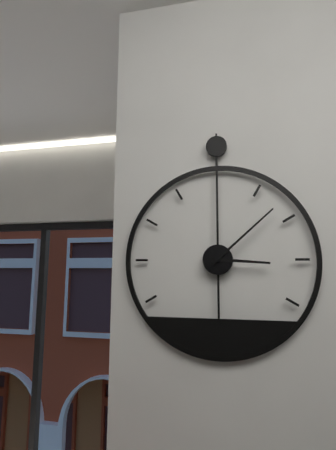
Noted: **3:08**
